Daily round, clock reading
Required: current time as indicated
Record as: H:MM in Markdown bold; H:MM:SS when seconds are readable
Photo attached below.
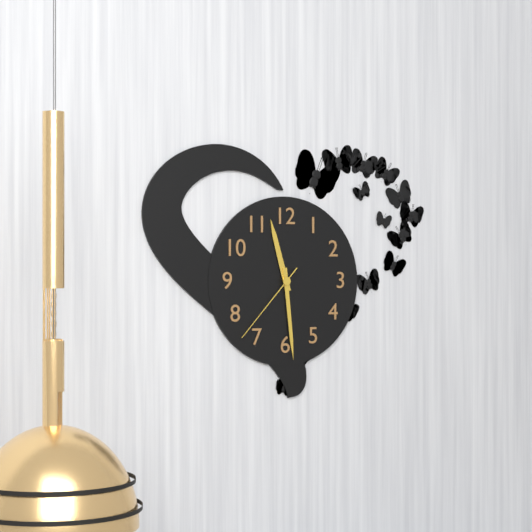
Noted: **11:29:37**
